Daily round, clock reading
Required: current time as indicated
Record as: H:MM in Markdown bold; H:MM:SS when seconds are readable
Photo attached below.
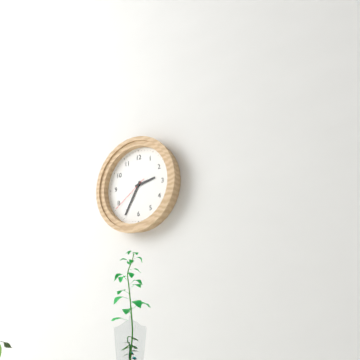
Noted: **2:35**
